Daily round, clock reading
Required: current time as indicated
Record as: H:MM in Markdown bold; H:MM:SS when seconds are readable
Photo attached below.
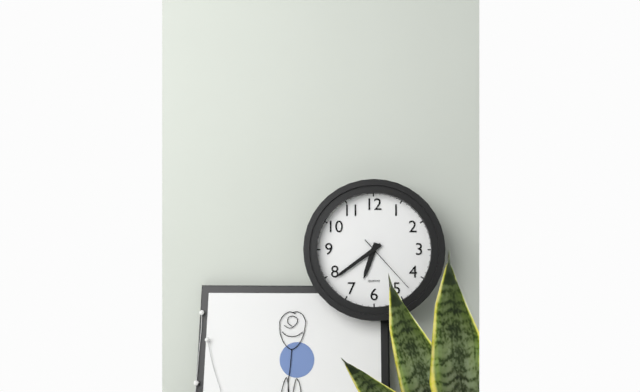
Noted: **6:39:23**
